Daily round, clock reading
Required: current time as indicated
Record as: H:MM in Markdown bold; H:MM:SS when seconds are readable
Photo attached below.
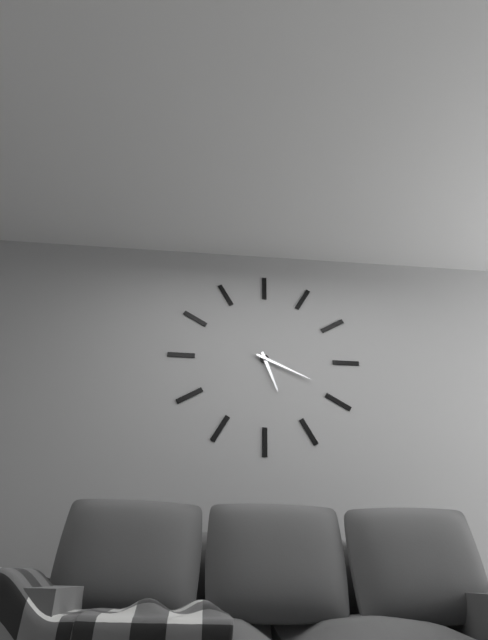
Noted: **5:19**
